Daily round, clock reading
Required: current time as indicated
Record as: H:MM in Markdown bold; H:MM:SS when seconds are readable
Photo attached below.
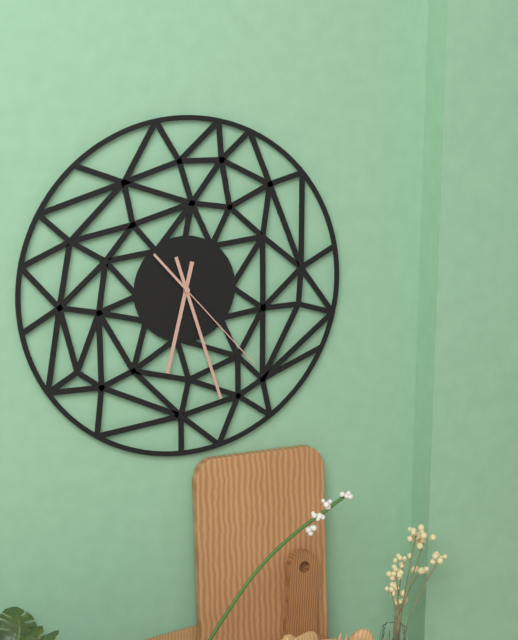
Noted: **6:27:23**
